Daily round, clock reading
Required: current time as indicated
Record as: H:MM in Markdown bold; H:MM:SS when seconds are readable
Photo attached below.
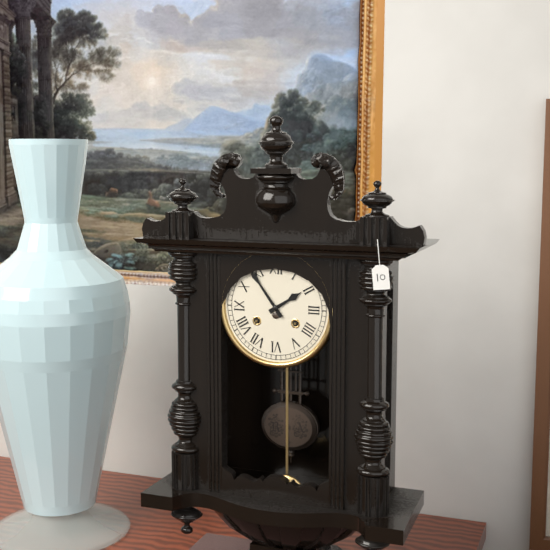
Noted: **1:54**
